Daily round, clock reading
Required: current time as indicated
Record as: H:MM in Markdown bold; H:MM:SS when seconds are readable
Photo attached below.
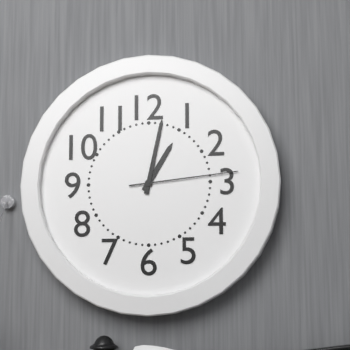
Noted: **1:02:14**
